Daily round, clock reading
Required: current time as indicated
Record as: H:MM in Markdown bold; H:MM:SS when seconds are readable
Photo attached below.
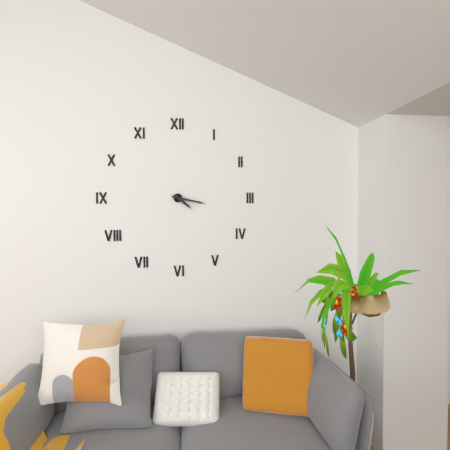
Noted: **4:17**
